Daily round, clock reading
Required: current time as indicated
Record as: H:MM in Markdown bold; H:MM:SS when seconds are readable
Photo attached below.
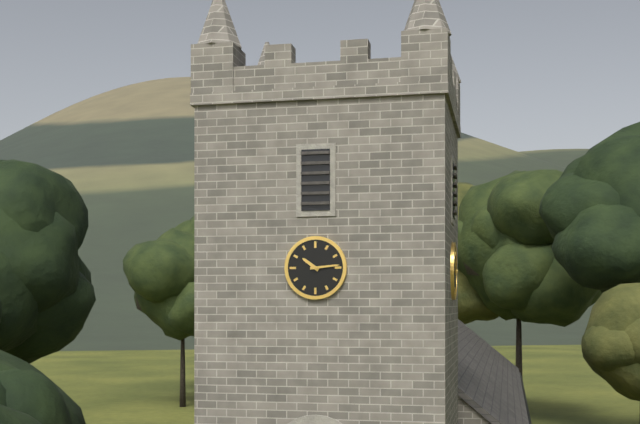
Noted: **10:14**
